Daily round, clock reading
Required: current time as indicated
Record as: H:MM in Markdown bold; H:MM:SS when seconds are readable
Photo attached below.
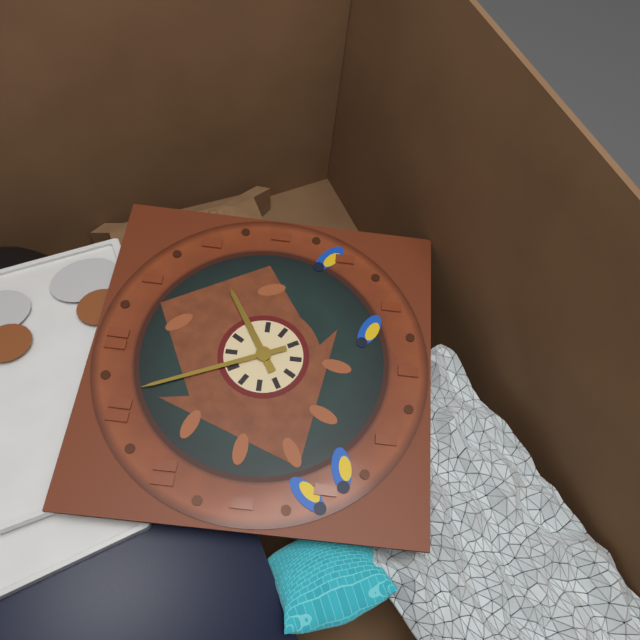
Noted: **1:56**
